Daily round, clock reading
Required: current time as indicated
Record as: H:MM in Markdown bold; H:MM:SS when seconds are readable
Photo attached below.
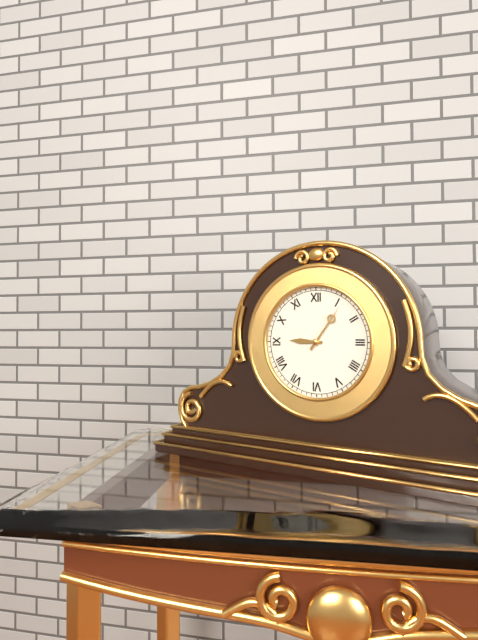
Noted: **9:06**
